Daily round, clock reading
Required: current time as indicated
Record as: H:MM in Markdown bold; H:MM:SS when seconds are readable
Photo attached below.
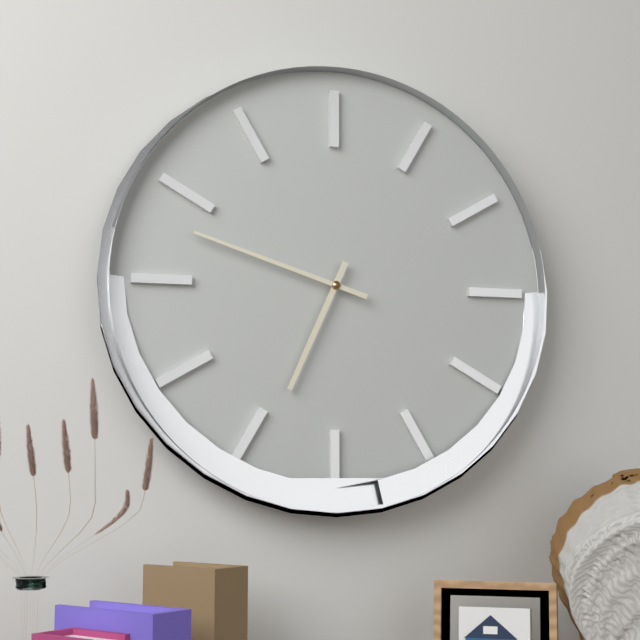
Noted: **6:48**
